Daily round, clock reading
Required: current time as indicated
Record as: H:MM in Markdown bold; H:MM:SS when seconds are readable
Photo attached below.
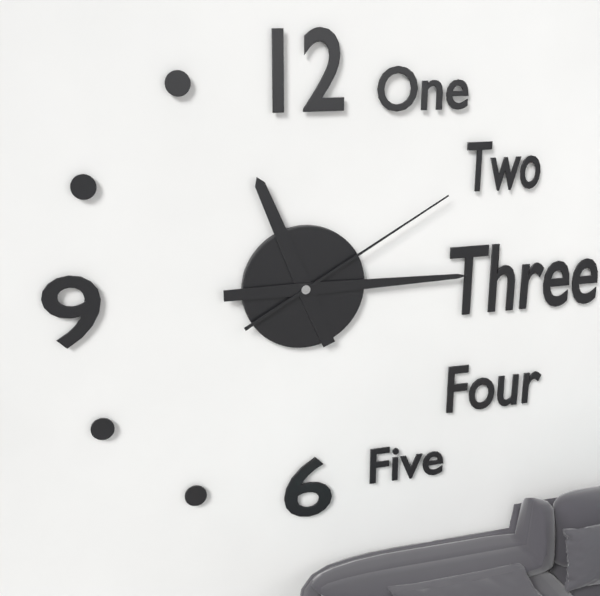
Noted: **11:15:10**
